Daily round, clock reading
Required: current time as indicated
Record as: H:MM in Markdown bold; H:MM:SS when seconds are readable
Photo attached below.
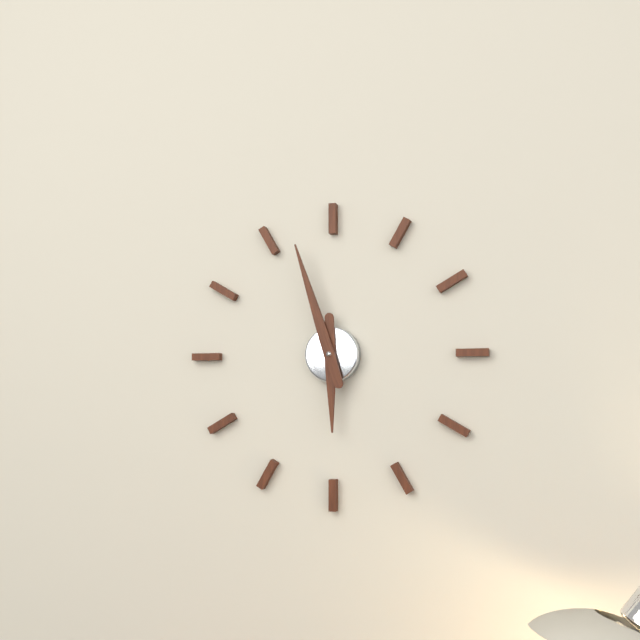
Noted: **5:57**
